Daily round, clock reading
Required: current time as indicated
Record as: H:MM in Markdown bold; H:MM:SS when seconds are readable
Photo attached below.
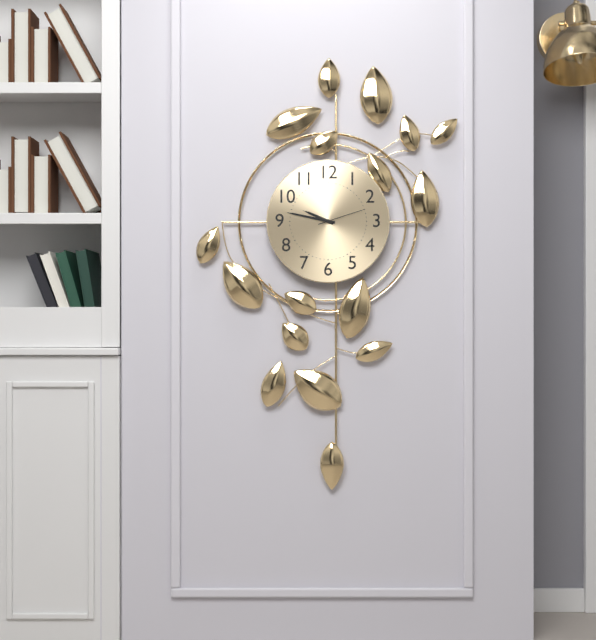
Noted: **9:47**
